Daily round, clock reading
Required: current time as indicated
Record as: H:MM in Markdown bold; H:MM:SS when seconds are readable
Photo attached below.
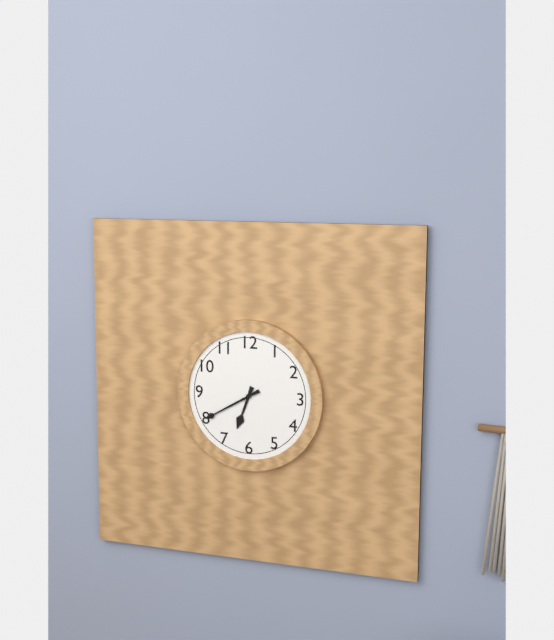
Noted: **6:40**
